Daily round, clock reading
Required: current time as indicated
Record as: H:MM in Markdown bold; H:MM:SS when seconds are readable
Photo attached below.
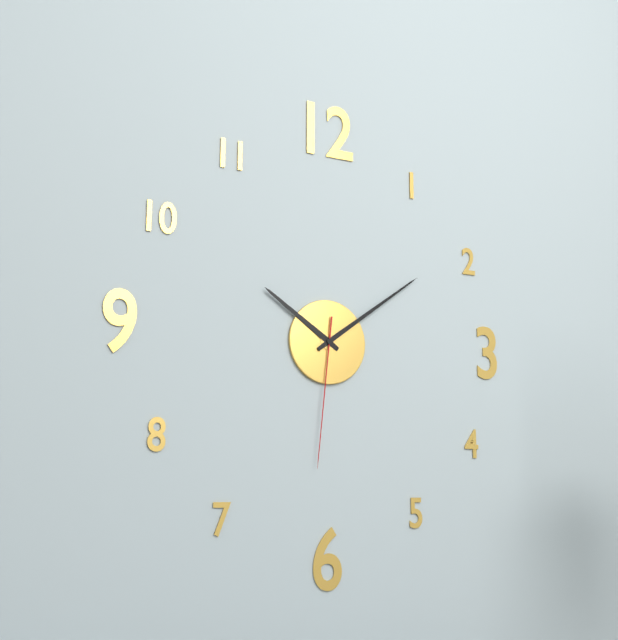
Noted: **10:09:31**
